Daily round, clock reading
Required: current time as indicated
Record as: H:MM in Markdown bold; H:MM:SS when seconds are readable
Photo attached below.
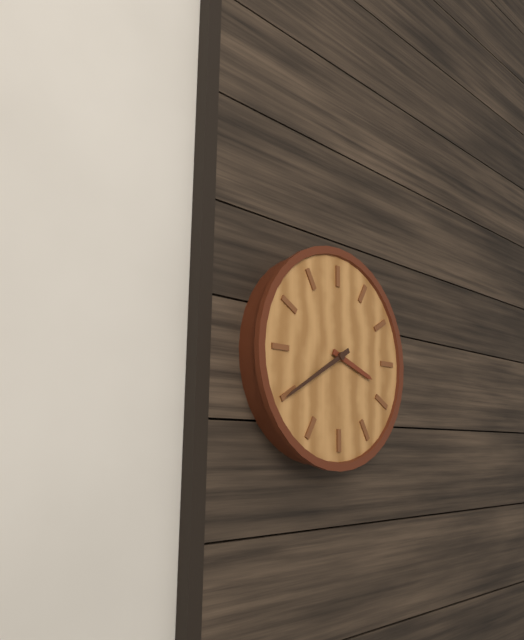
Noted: **3:40**
